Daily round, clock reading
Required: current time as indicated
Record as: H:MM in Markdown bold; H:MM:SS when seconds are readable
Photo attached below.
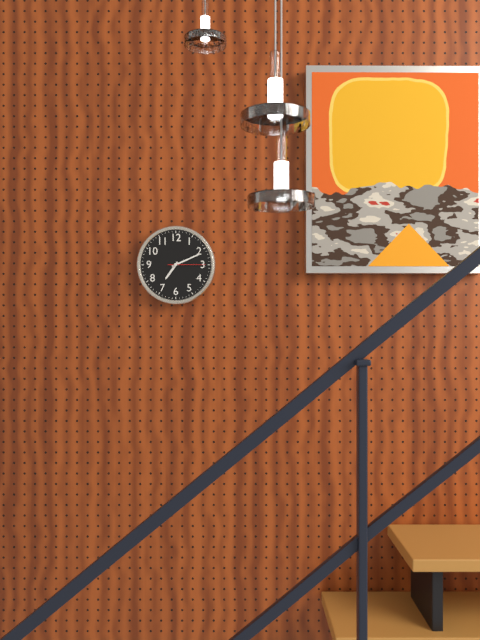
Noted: **7:11**
